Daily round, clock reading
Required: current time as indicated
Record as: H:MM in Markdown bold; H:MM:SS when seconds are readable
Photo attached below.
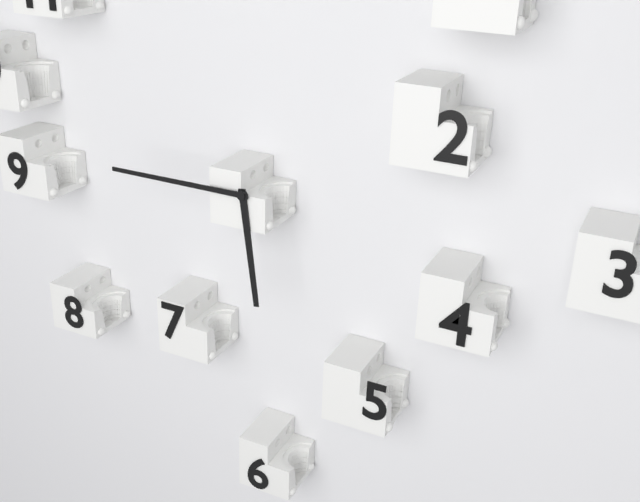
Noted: **5:45**
